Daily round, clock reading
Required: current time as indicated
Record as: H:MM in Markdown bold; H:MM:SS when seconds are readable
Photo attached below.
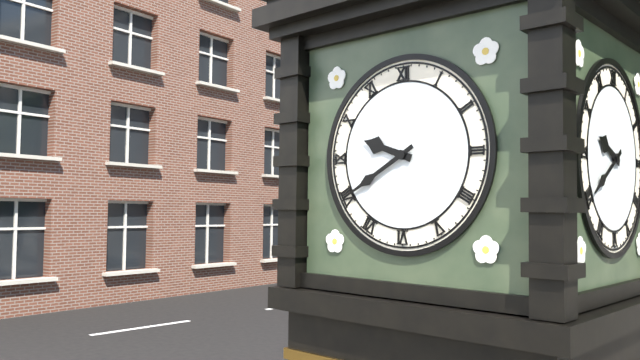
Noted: **9:40**
